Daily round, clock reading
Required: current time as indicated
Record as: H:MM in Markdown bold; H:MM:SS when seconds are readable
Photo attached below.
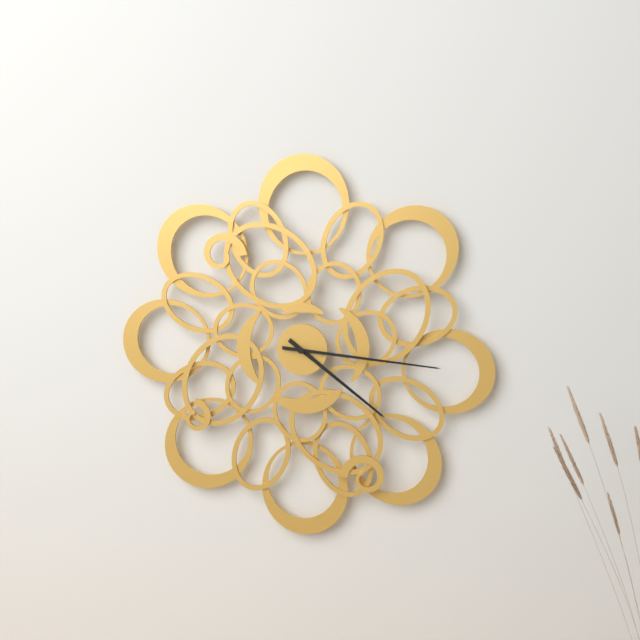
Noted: **4:16**
